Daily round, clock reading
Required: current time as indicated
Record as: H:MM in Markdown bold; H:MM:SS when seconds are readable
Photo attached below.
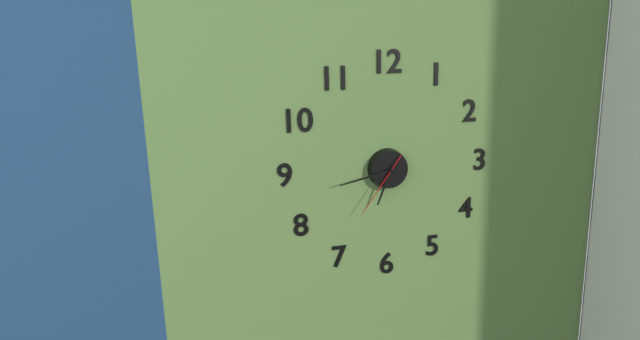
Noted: **6:43:36**
